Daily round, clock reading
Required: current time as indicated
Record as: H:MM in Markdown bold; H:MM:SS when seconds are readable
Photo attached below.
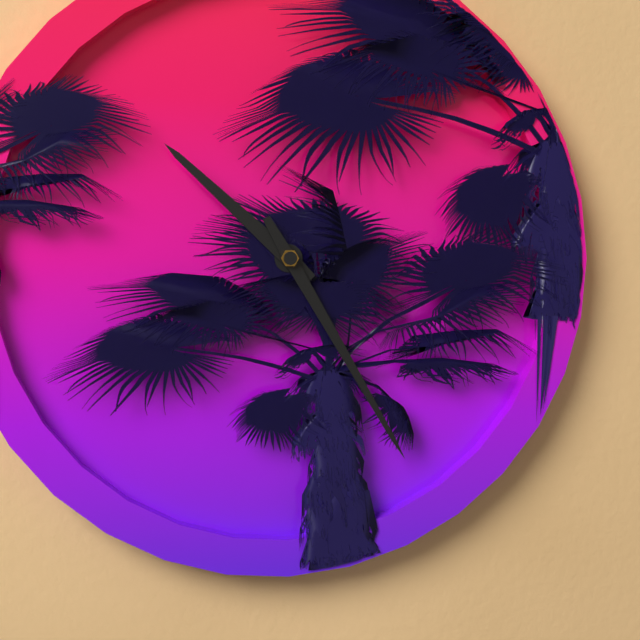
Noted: **10:25**
